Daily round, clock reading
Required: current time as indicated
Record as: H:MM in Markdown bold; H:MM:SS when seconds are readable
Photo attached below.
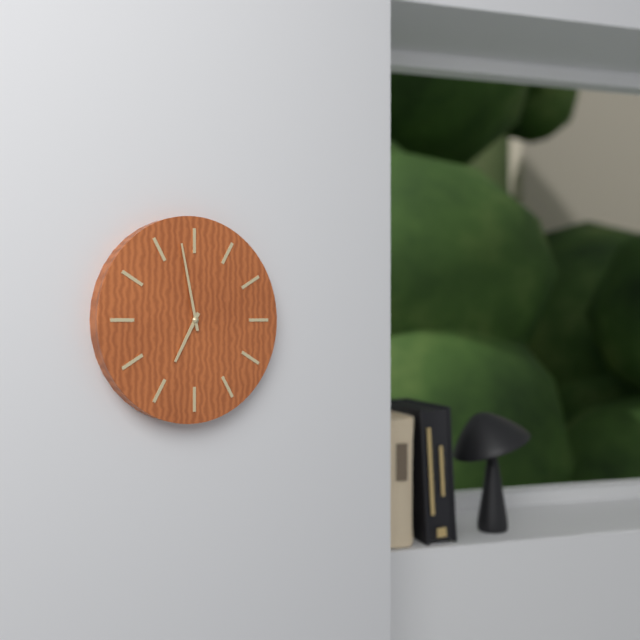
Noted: **6:58**
